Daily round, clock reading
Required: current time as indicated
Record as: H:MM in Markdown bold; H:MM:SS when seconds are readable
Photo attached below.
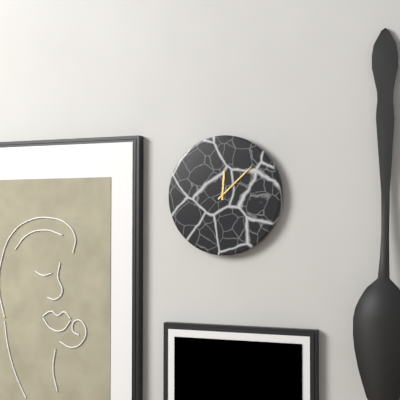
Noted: **12:08**
